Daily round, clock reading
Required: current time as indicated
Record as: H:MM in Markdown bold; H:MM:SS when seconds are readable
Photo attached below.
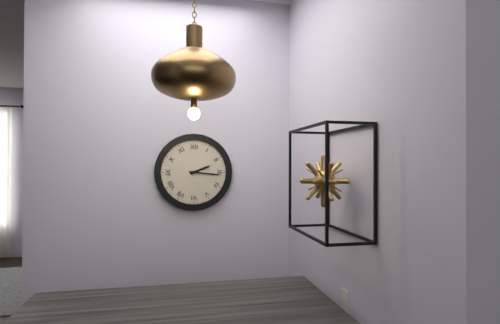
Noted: **2:16**
